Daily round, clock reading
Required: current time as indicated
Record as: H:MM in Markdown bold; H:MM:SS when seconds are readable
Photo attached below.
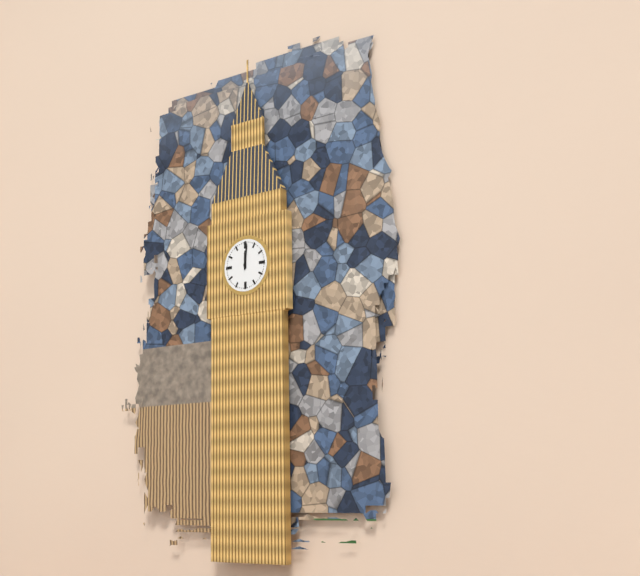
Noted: **12:01**
